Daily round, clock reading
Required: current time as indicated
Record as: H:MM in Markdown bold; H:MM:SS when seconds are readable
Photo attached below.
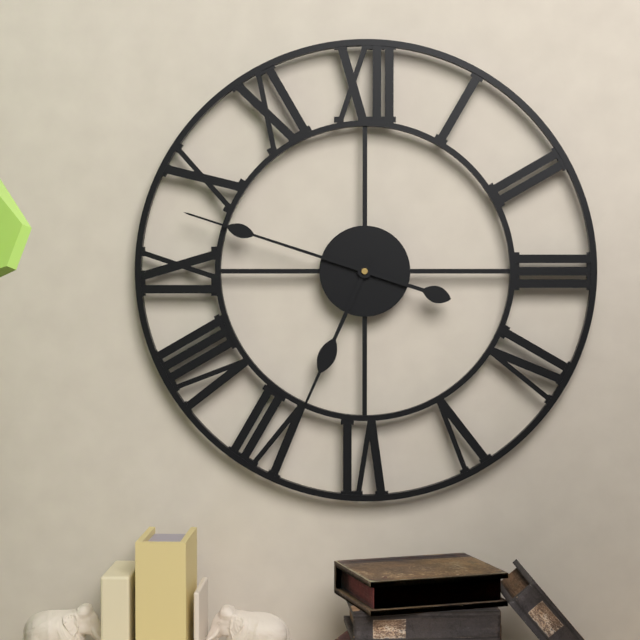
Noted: **6:48**
